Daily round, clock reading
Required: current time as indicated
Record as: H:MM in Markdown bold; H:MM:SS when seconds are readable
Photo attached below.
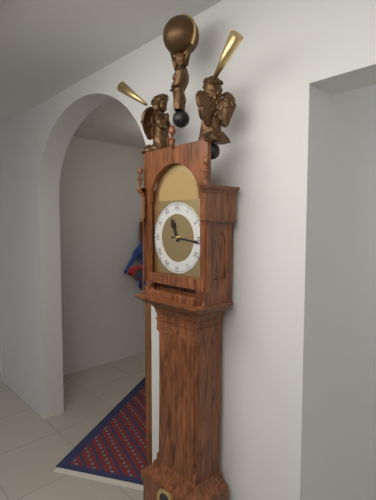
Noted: **11:16**
